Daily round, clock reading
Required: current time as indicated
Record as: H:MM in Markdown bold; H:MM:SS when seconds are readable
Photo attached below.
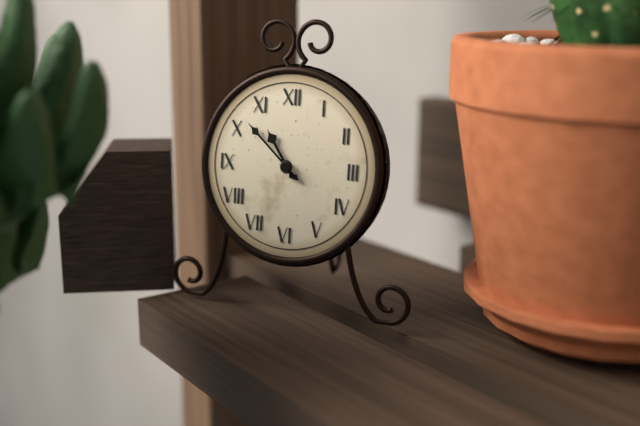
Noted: **10:52**
